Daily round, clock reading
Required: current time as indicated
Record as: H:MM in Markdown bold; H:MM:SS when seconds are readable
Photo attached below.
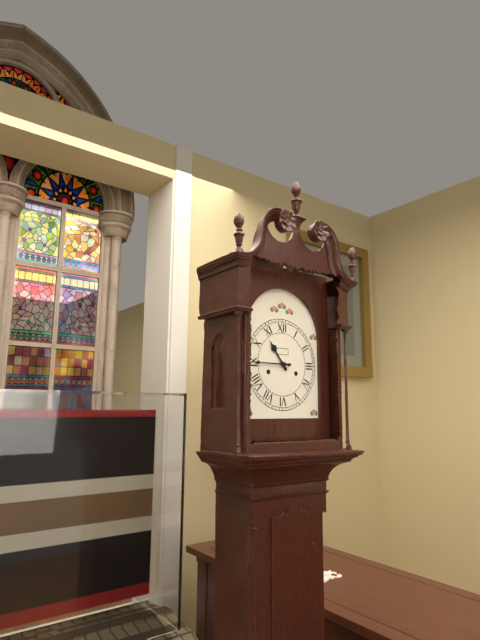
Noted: **10:45**
